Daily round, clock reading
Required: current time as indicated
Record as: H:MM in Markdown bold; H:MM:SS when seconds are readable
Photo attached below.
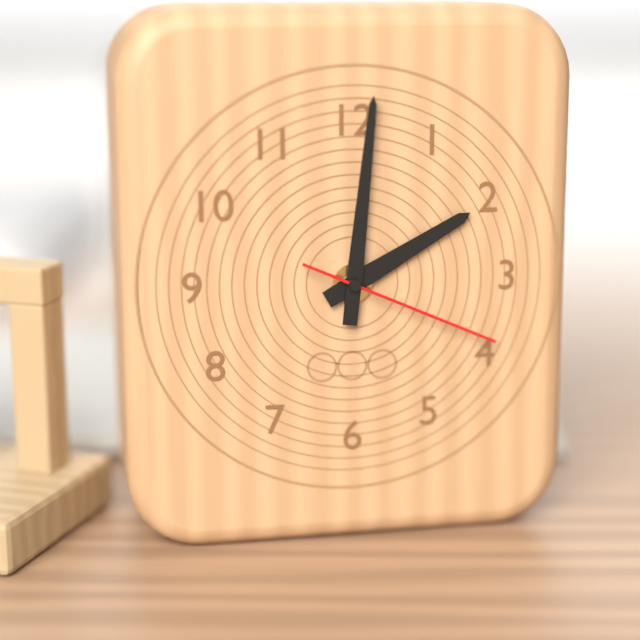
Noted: **2:01:19**
